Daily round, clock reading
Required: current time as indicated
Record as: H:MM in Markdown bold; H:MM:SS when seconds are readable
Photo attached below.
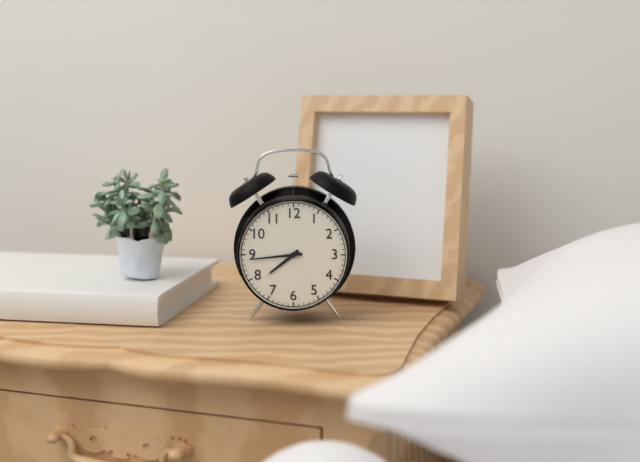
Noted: **7:44**
